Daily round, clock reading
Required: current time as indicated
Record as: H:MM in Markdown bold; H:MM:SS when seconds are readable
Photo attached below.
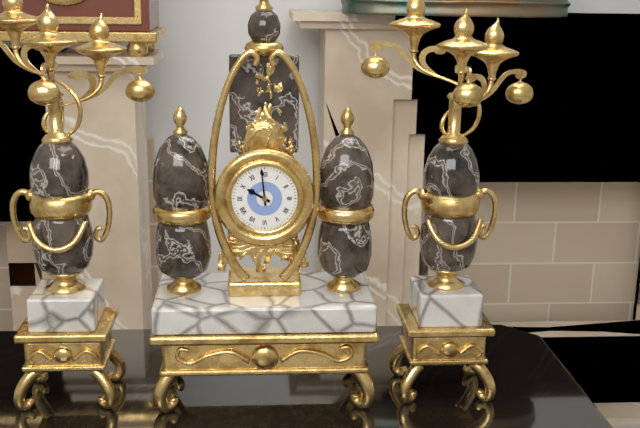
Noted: **9:59**
